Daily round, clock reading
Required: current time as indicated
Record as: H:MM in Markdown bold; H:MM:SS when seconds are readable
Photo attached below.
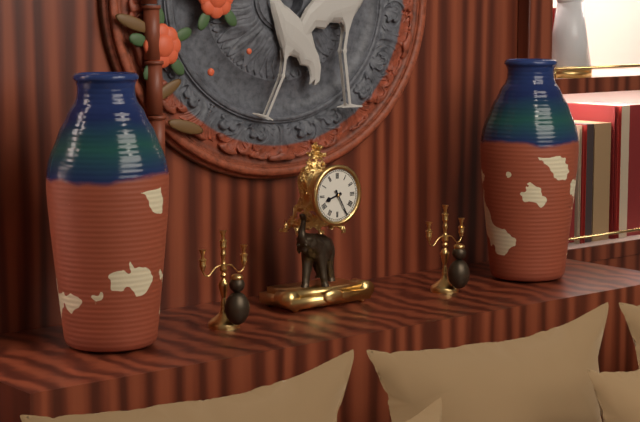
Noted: **8:25**
